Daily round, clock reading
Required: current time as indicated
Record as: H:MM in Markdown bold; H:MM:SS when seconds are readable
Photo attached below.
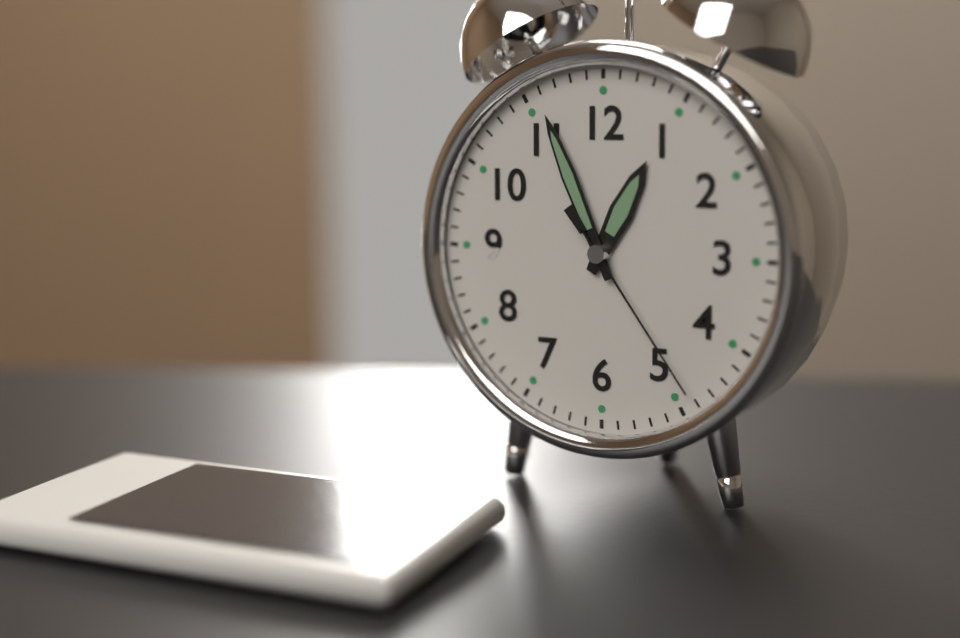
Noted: **12:56:24**
